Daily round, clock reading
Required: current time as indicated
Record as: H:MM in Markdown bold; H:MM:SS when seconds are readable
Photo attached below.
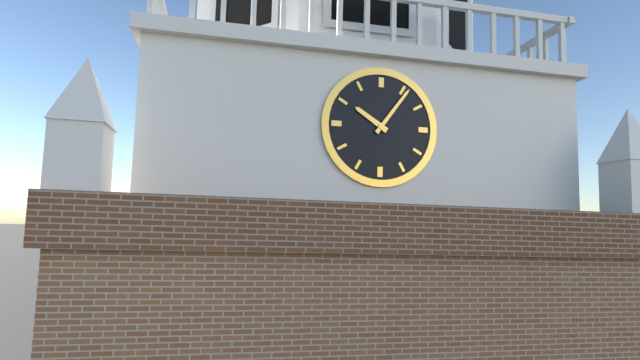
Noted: **10:06**
